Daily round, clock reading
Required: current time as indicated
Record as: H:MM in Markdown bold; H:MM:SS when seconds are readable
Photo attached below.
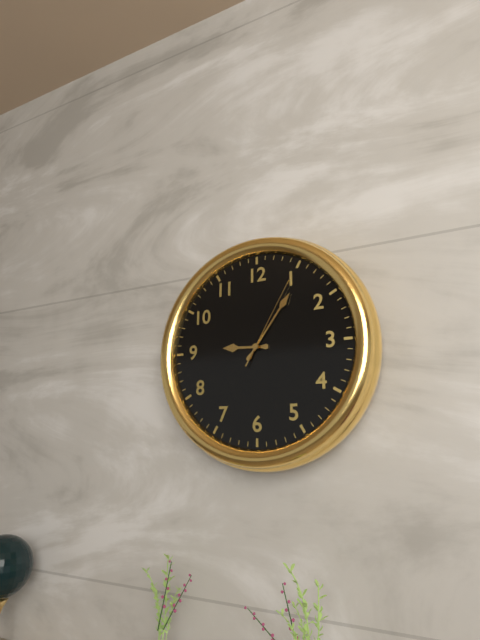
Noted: **9:06:05**
